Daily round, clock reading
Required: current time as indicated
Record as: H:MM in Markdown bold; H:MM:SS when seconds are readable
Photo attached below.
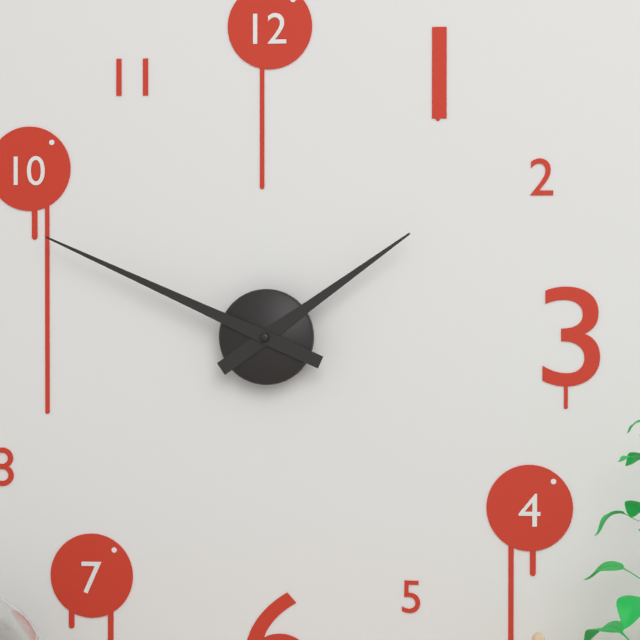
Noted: **1:49**
